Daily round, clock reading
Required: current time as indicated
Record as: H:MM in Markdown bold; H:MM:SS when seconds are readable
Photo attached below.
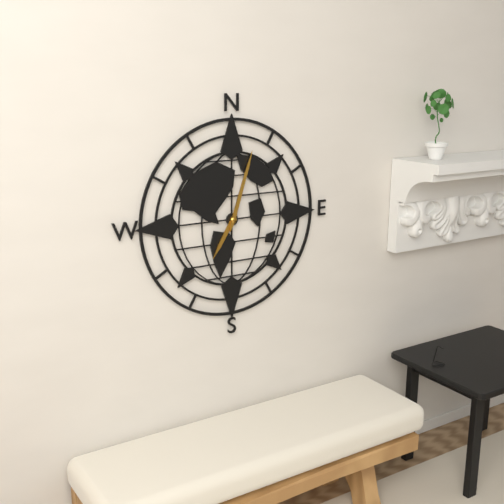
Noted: **7:03**
